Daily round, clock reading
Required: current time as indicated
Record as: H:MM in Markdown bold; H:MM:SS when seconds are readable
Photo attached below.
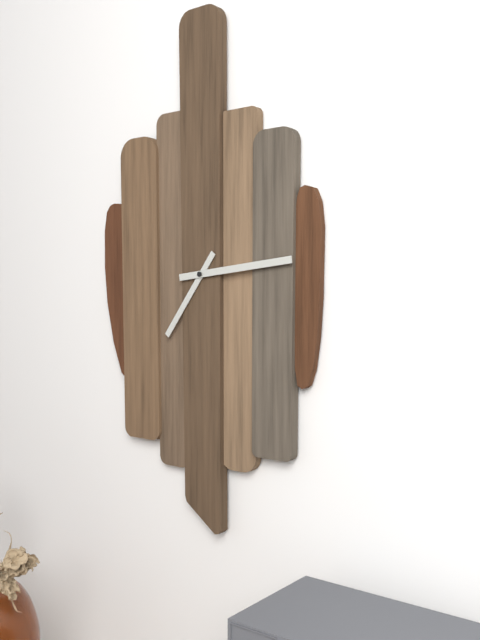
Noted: **7:14**
